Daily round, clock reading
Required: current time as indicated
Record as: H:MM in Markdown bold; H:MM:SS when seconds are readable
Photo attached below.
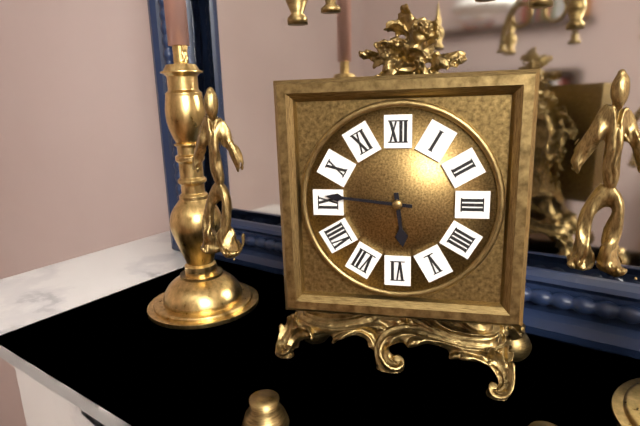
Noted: **5:46**
